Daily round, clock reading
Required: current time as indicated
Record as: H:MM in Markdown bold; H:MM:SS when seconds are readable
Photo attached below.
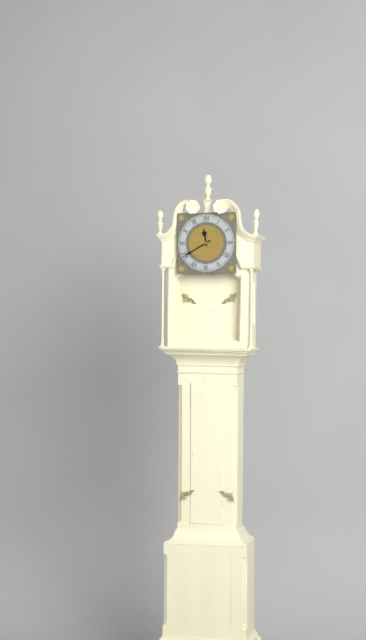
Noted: **11:40**
